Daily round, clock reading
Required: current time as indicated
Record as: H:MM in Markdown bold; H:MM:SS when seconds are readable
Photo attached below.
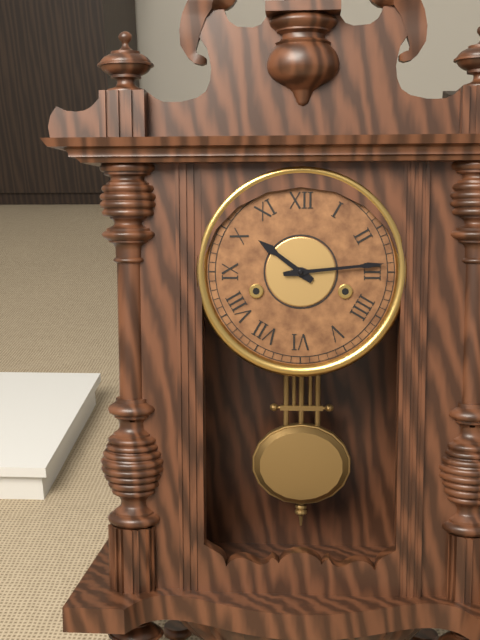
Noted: **10:14**
